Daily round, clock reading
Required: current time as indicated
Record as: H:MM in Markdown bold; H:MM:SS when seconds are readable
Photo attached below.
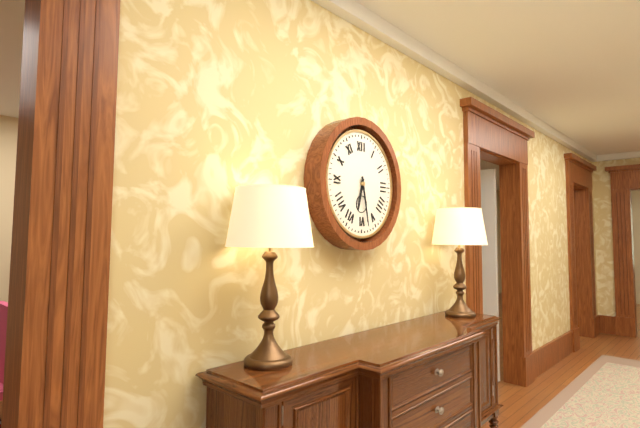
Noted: **6:28**
